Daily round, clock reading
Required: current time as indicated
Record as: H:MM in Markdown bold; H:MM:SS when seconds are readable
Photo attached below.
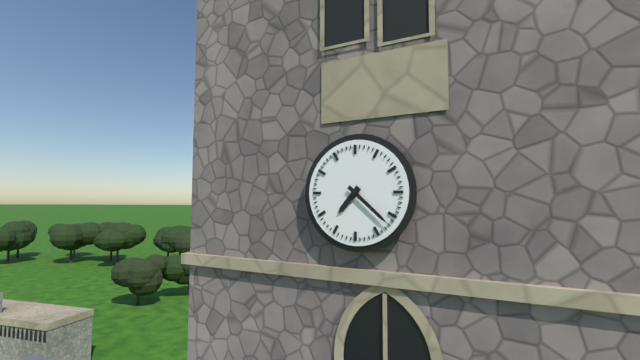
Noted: **7:22**
